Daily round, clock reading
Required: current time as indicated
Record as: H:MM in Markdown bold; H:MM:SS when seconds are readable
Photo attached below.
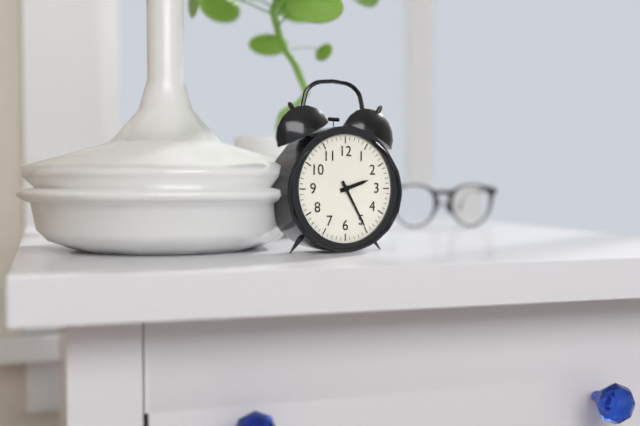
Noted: **2:25**
